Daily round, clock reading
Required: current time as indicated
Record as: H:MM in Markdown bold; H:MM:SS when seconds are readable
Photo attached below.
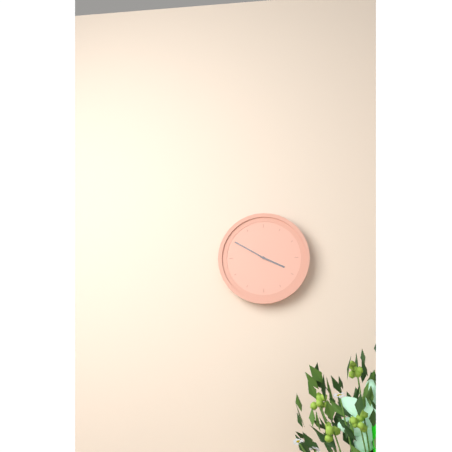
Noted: **3:50**
